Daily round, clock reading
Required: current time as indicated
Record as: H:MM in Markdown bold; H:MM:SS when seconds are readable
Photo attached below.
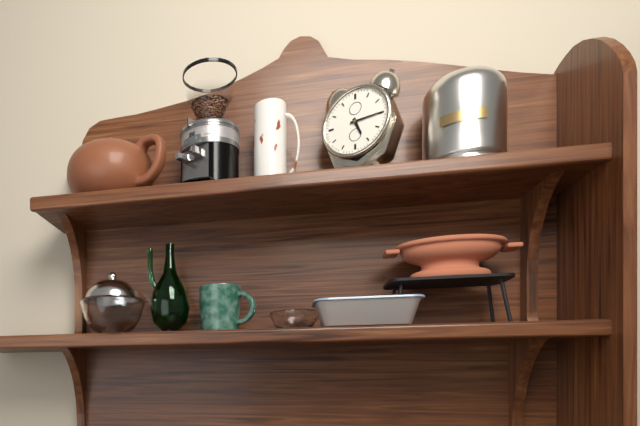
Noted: **5:15**
